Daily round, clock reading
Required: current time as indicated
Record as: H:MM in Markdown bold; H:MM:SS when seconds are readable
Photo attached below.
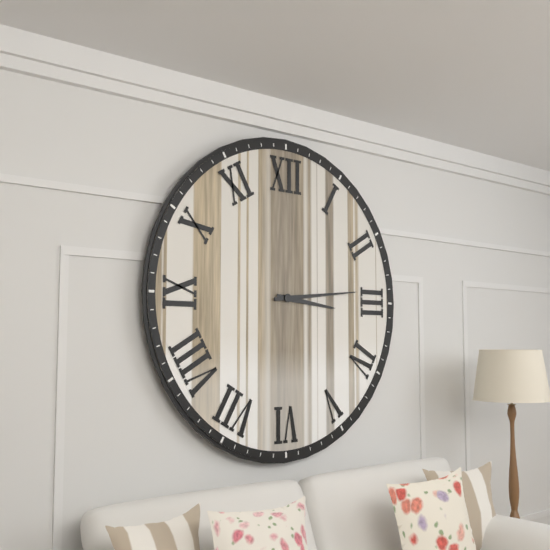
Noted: **3:14**
